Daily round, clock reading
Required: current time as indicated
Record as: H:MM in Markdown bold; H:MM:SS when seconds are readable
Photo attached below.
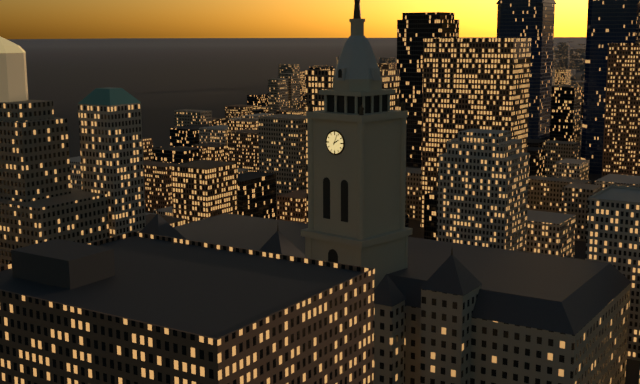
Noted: **2:04**
